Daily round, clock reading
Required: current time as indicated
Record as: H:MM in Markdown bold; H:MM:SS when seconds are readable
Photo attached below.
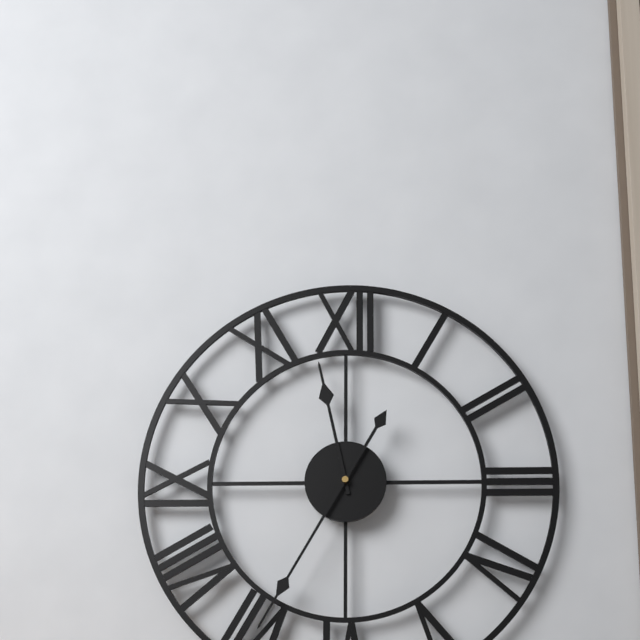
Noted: **11:35**
